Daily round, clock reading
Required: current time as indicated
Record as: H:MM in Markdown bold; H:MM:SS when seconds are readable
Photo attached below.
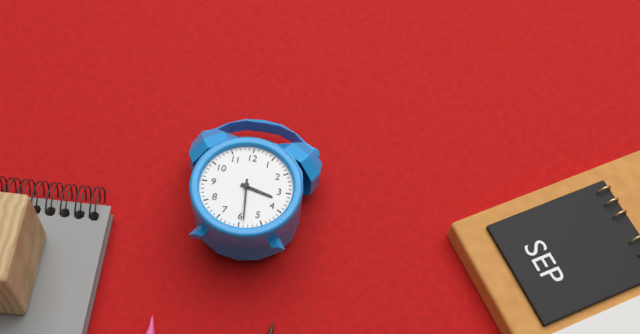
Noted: **3:29**
